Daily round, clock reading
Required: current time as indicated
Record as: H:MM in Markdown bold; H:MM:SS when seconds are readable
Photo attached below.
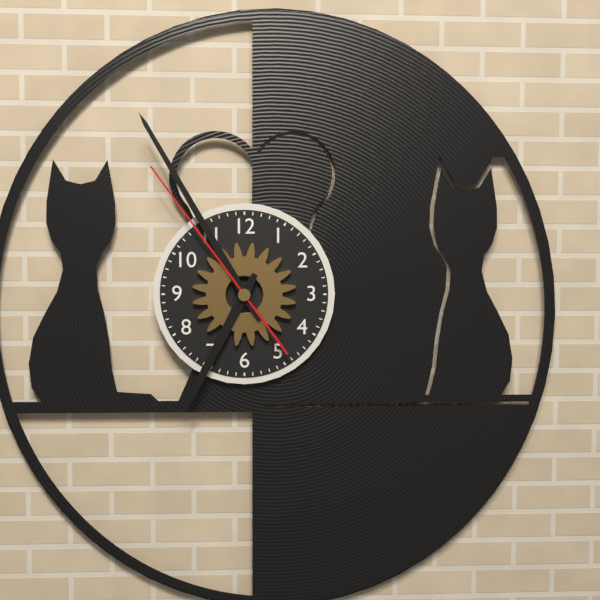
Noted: **6:55:54**
